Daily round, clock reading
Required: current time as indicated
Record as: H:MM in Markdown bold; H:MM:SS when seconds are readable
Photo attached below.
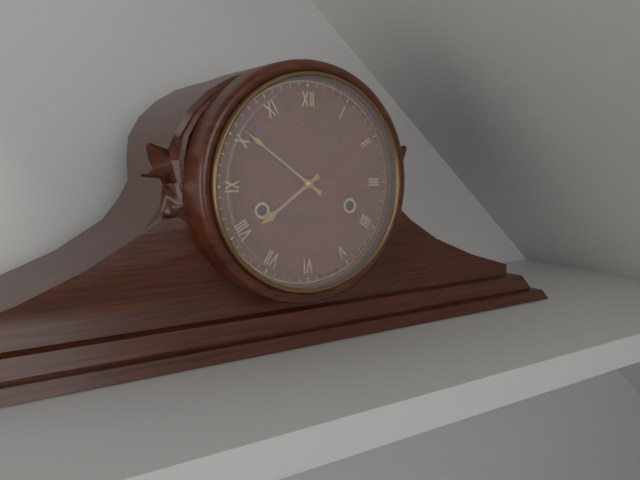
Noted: **7:51**
